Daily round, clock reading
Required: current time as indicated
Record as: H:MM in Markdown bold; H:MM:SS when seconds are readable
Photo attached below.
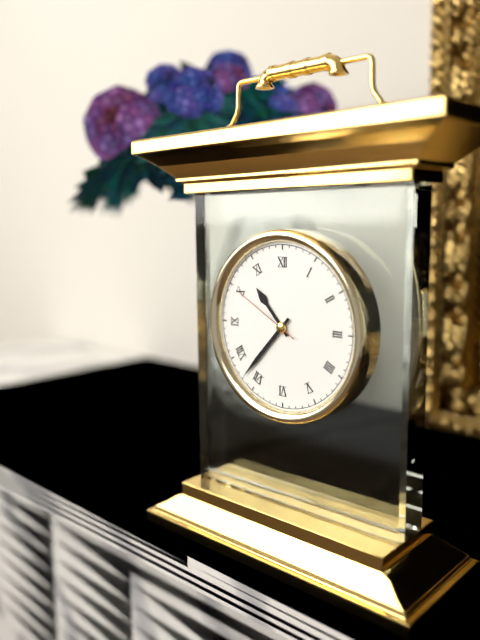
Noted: **10:37:50**
